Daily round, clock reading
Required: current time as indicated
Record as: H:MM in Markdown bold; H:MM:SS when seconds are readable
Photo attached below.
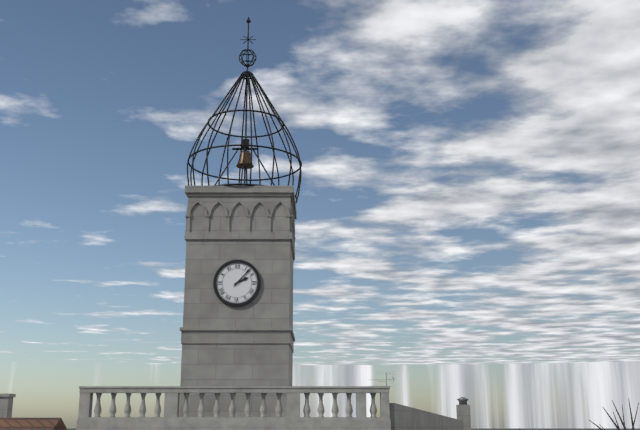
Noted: **2:07**
